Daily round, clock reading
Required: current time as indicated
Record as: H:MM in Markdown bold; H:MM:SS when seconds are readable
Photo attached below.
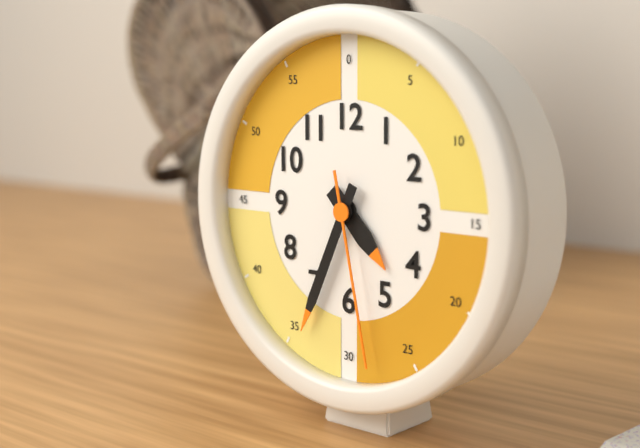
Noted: **4:34:28**
